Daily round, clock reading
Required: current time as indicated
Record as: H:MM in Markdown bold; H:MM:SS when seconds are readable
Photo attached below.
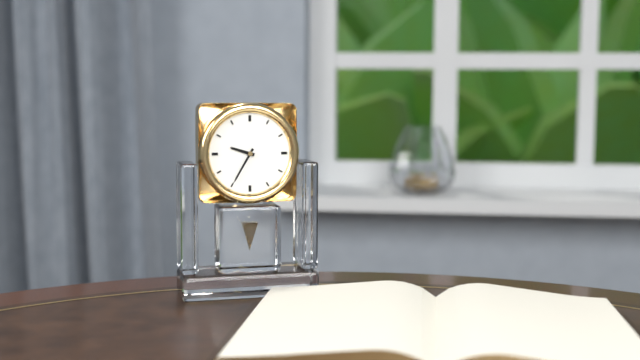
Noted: **9:35**
